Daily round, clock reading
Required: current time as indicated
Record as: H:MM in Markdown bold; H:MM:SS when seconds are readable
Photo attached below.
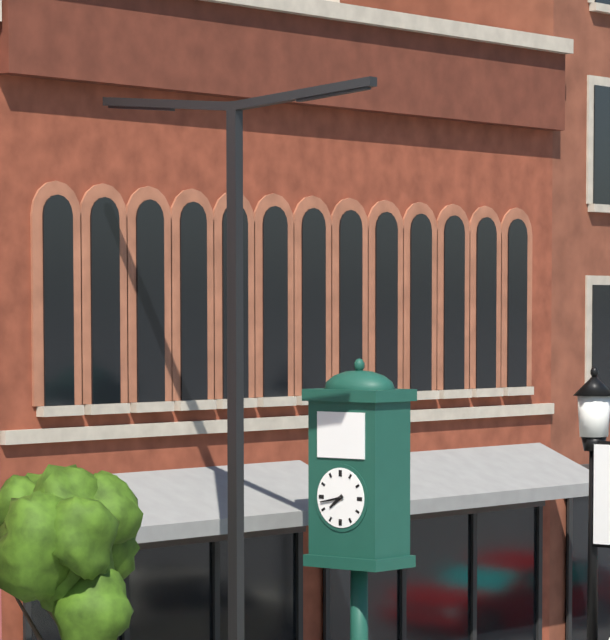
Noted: **7:43**
